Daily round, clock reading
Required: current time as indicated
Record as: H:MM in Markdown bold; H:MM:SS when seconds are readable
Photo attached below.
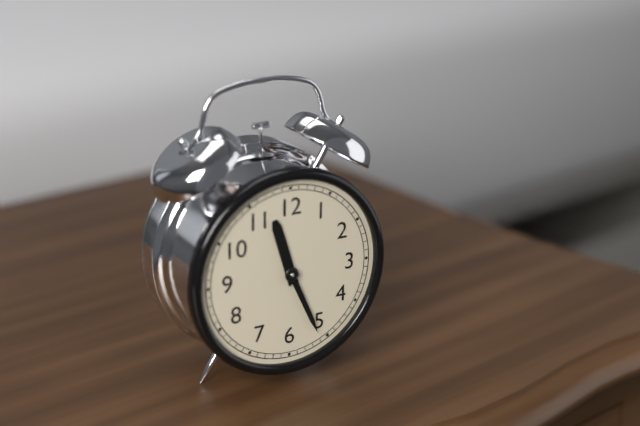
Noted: **11:26**
